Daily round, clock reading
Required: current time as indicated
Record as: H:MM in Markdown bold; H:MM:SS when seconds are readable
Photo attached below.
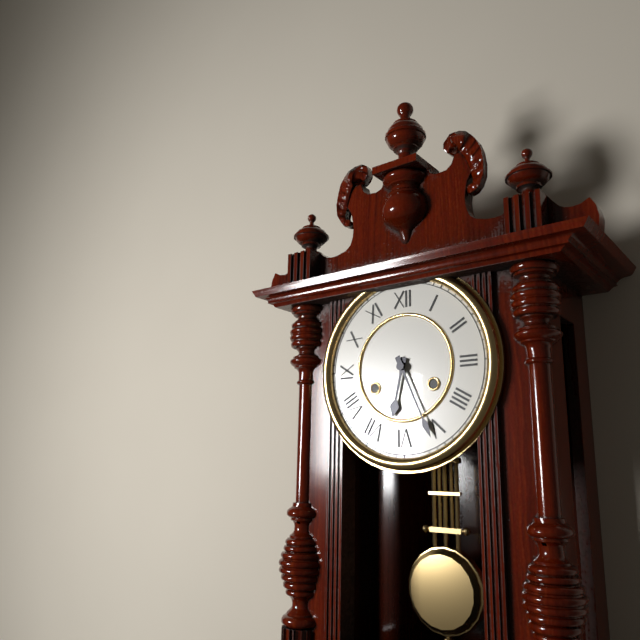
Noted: **6:26**
